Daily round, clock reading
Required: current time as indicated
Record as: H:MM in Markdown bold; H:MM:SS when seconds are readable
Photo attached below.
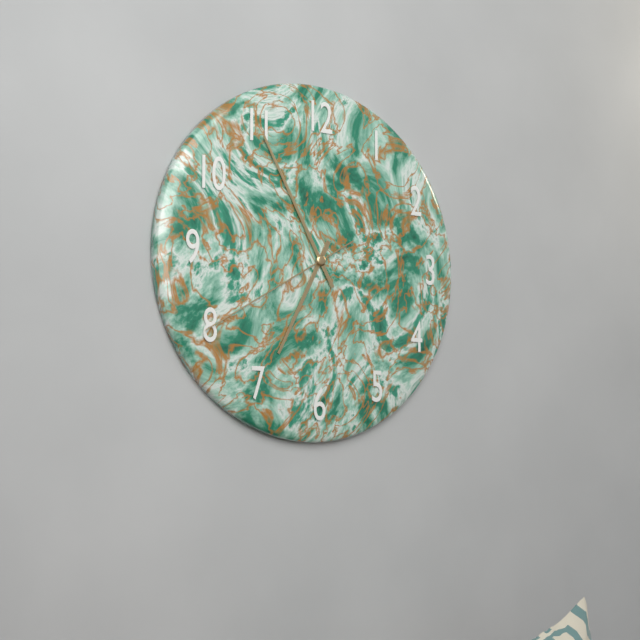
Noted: **6:55:40**
